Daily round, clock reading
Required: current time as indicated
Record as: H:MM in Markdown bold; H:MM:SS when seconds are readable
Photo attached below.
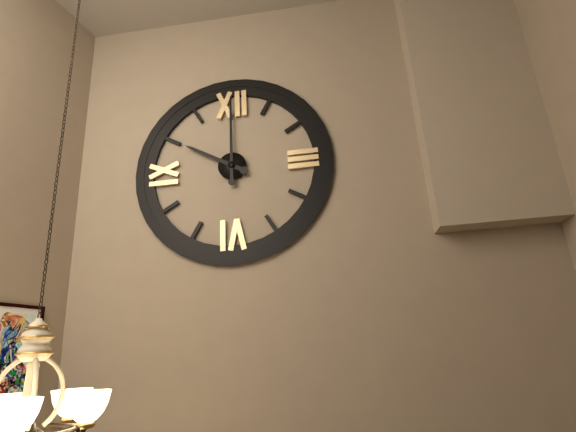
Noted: **10:00**
